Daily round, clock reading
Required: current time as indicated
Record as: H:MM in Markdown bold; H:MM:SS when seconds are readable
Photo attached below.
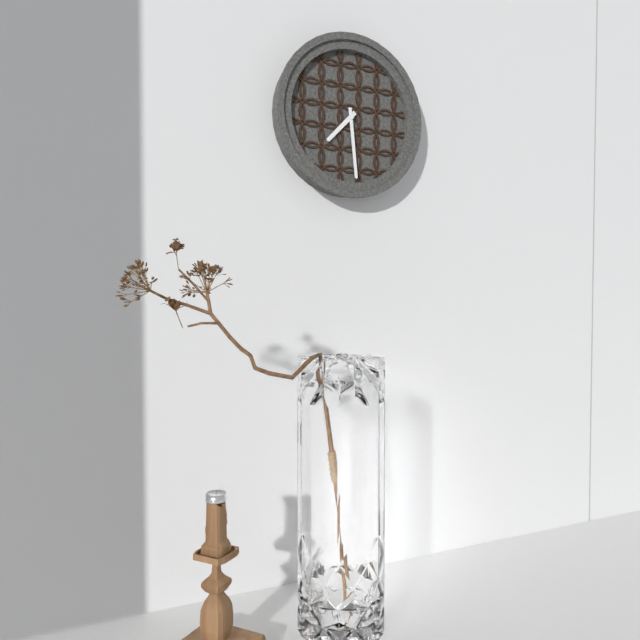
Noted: **7:29**
